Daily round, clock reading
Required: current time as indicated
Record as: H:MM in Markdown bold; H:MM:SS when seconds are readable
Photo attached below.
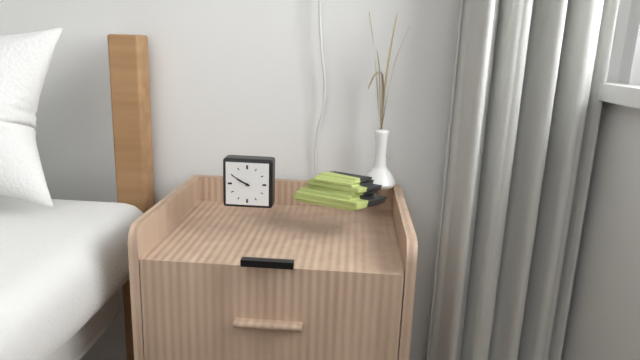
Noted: **9:50**
